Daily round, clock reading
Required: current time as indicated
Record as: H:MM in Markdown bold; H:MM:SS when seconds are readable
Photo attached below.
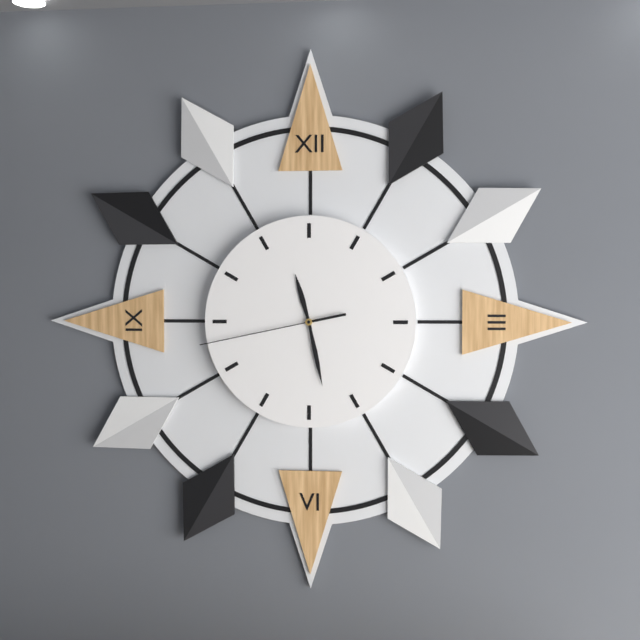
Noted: **11:28:43**
